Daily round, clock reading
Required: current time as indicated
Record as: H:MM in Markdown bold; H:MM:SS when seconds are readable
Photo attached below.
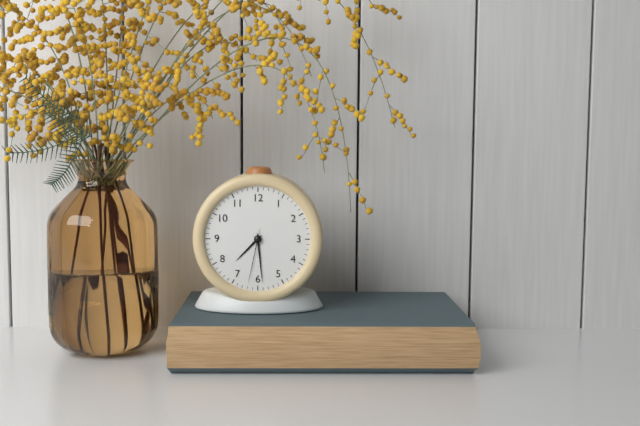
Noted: **7:29:32**
